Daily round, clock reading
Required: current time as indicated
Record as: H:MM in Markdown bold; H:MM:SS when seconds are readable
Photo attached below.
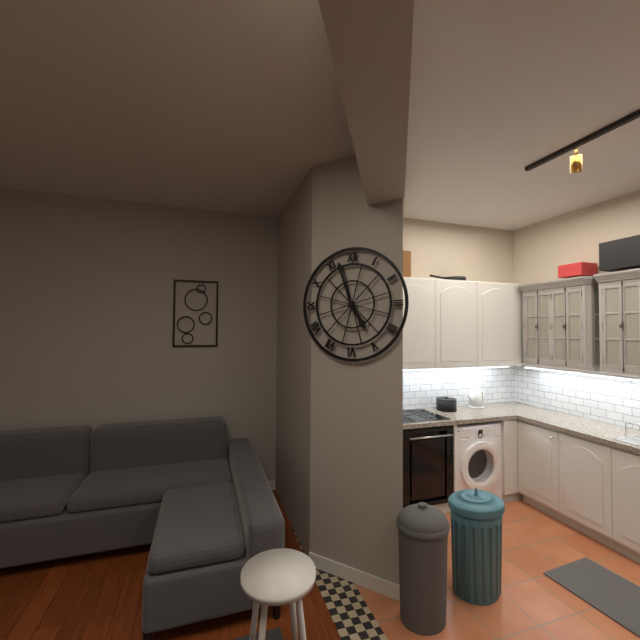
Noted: **4:57**
